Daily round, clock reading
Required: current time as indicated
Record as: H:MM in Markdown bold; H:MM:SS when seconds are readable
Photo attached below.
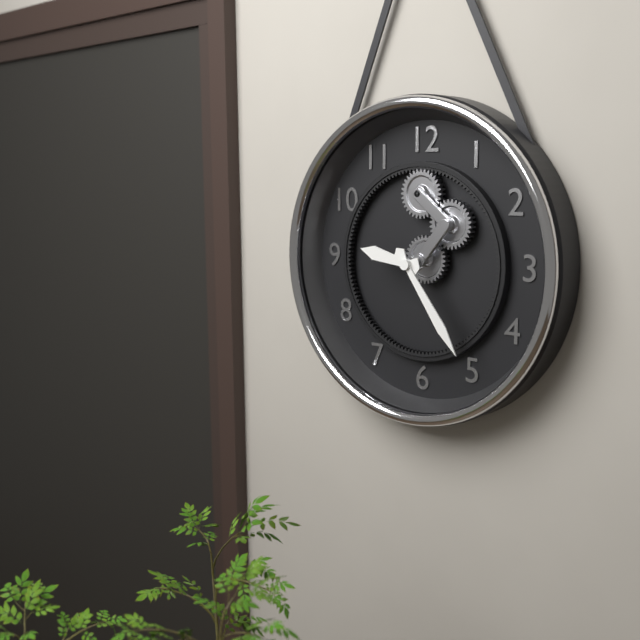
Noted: **9:24**
